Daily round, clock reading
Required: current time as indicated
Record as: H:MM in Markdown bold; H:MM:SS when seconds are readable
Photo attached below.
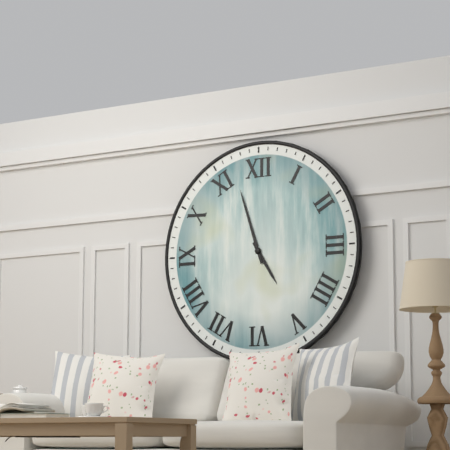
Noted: **4:57**
